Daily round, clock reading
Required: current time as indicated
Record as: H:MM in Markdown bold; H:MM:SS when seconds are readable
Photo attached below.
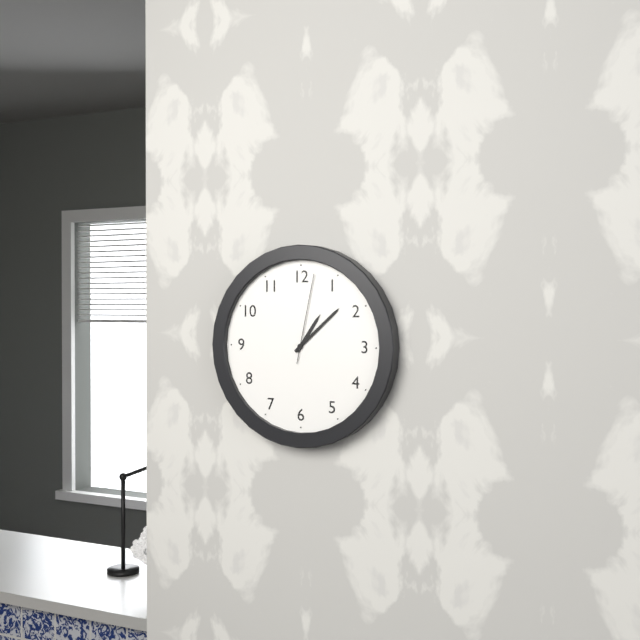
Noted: **1:08:02**
